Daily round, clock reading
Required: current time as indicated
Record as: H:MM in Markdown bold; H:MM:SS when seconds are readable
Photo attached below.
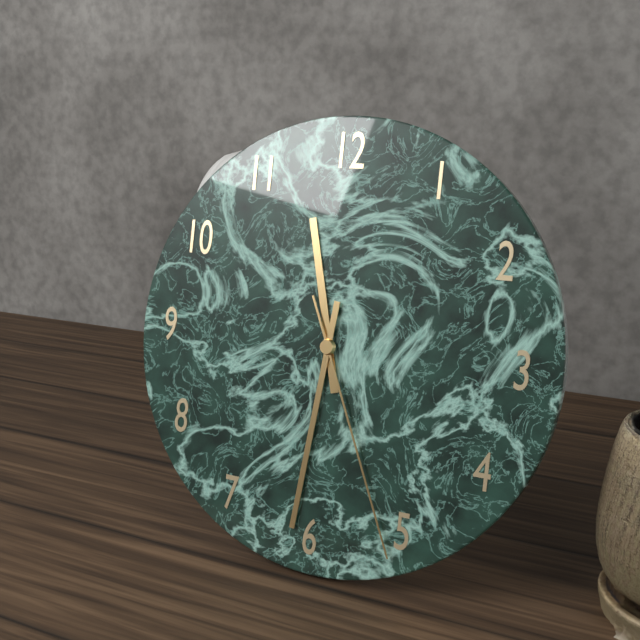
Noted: **11:31:26**
